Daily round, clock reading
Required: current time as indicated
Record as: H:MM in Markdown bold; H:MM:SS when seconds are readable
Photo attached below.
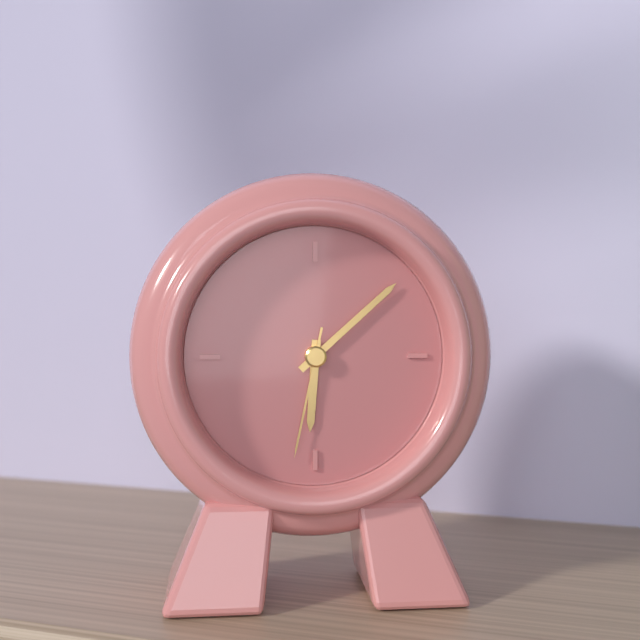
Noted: **6:08:32**
